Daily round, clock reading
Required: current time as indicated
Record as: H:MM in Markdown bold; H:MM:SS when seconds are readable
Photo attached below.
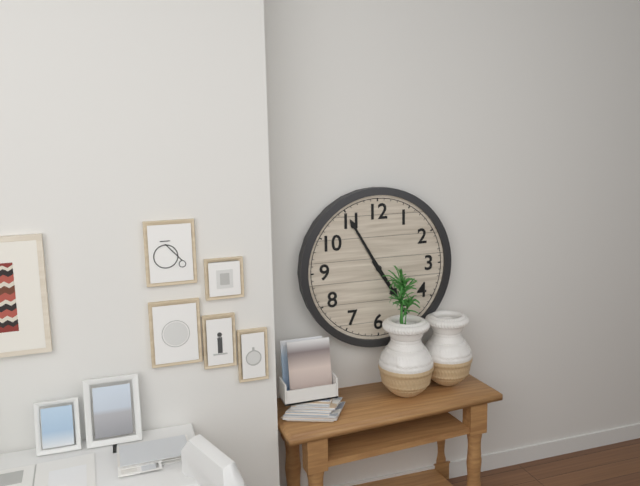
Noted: **4:55**
